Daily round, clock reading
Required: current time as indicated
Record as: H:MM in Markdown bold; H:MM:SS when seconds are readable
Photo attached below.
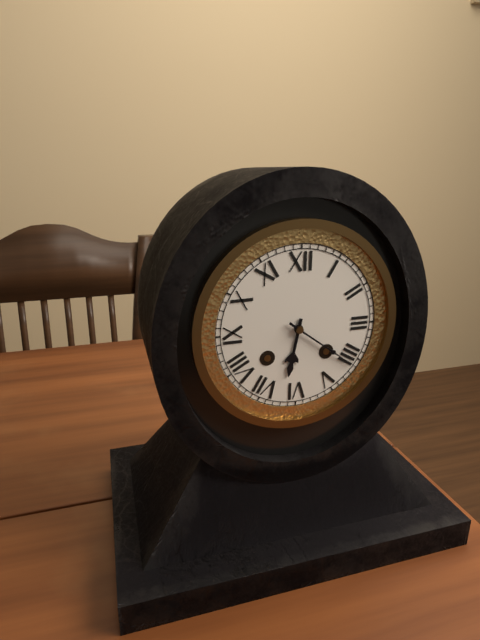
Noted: **6:21**
